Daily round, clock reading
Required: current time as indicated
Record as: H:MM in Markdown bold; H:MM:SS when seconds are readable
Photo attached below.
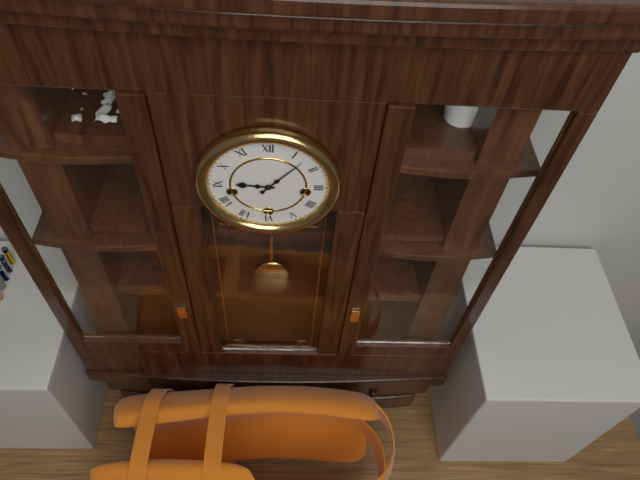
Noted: **9:07**
